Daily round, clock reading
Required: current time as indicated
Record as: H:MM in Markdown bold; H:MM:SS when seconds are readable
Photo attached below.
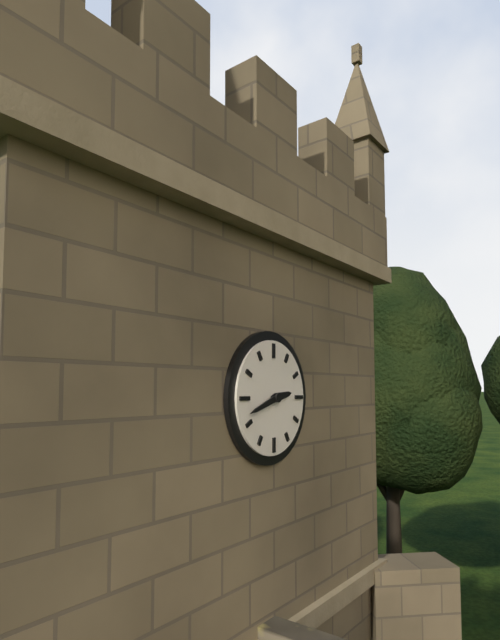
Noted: **2:42**
